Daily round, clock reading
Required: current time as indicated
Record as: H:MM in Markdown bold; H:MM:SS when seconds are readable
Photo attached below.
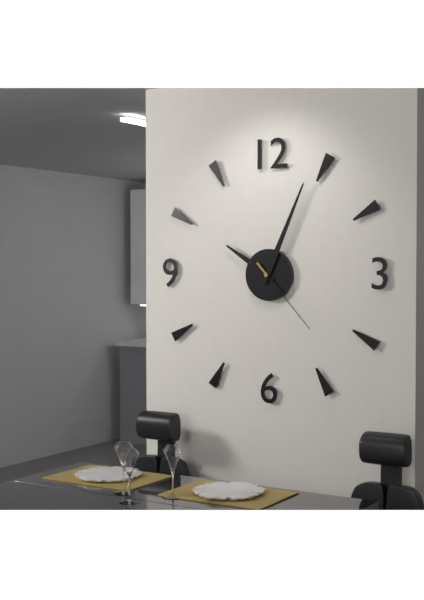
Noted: **10:04:23**
